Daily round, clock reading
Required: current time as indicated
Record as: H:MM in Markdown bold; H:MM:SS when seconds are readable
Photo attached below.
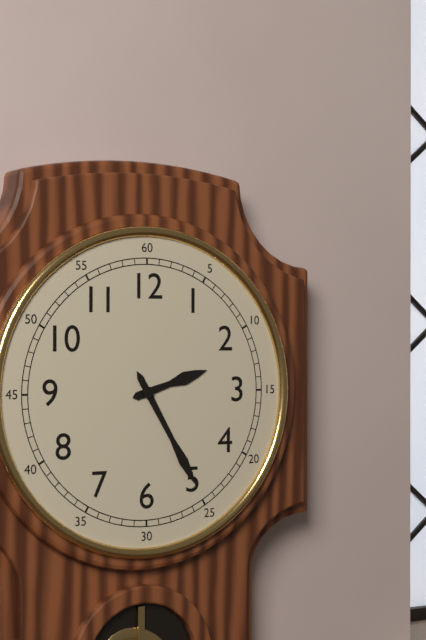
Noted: **2:25**
